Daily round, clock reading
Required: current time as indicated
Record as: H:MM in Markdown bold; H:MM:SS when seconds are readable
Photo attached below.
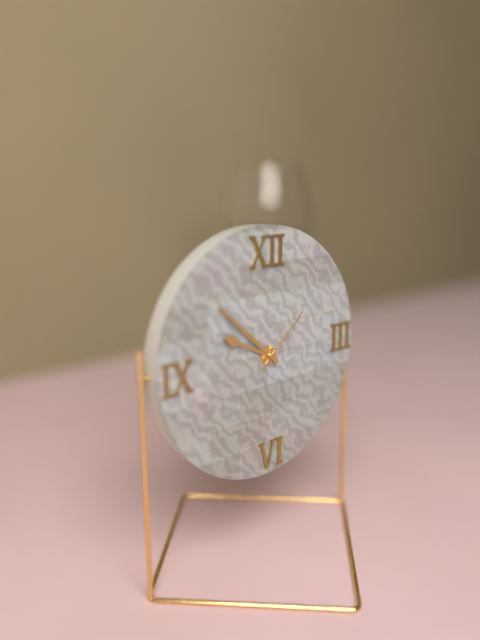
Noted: **9:52:08**
